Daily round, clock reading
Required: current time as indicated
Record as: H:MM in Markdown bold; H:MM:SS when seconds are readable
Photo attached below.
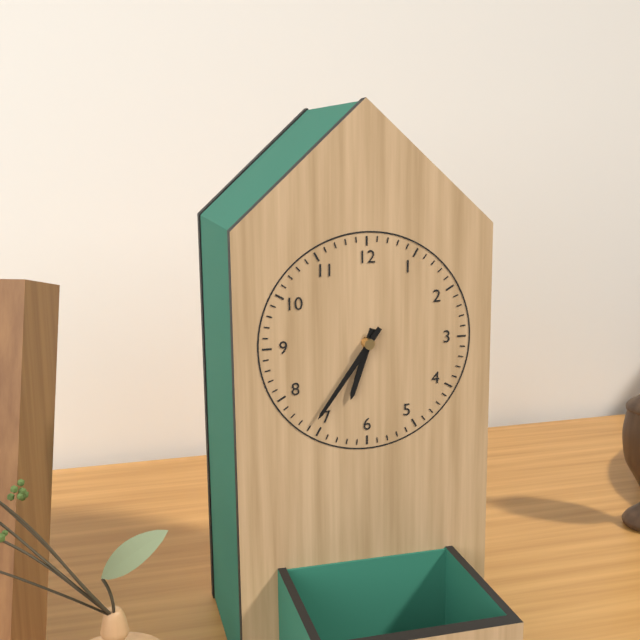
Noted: **6:36**
